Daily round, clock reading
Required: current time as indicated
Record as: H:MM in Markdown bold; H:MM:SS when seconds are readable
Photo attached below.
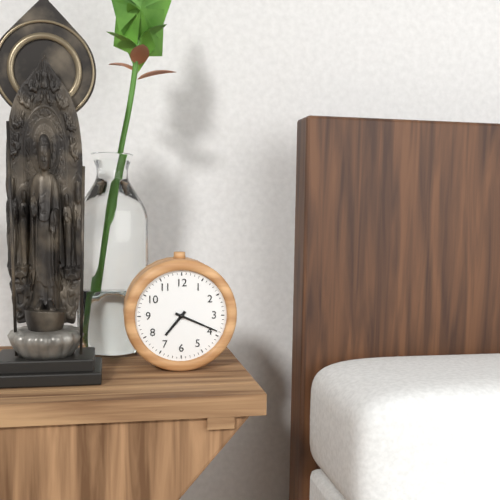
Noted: **7:19**
